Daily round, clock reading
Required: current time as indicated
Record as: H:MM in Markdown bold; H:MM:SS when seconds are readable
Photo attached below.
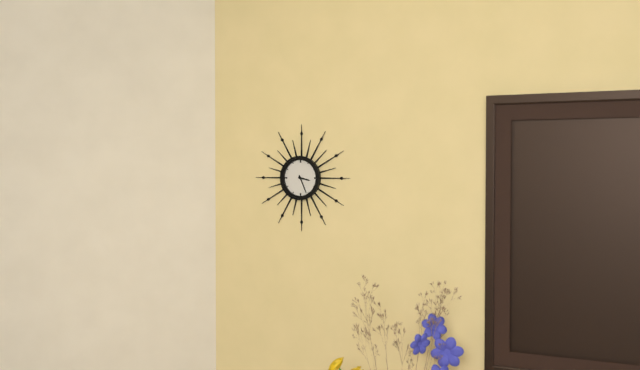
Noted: **3:26**
